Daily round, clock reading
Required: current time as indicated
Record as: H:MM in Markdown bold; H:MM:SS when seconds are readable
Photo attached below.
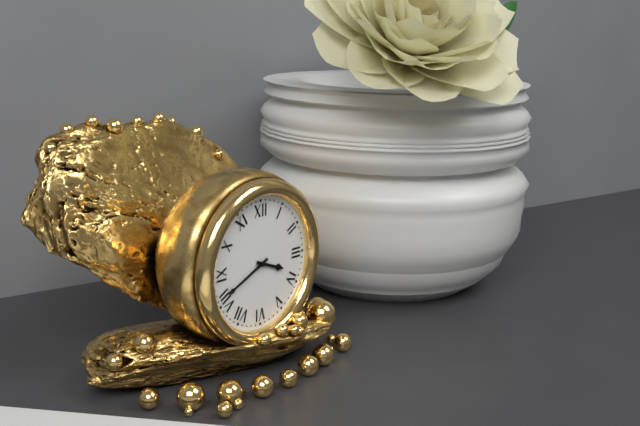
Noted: **3:41**
